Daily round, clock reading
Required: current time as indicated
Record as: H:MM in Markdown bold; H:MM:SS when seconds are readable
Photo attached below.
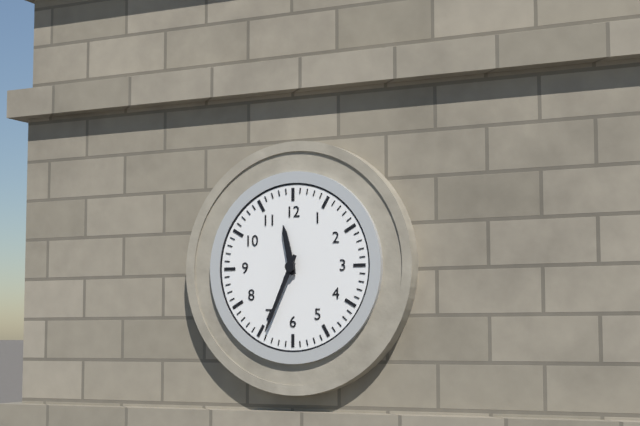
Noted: **11:34**
